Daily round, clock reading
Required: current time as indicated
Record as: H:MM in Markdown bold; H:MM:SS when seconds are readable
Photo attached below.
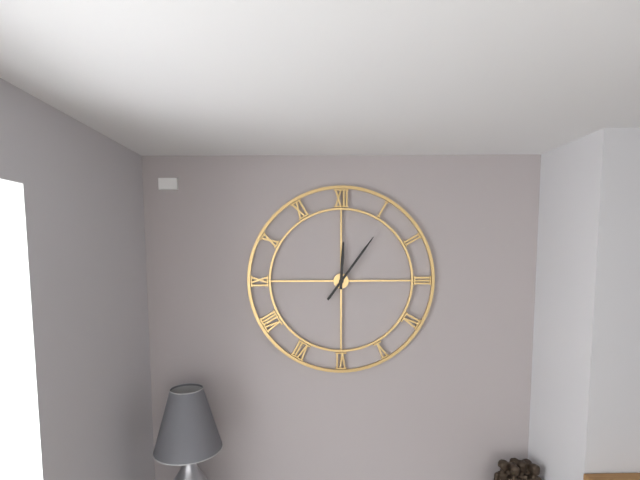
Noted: **12:06**
